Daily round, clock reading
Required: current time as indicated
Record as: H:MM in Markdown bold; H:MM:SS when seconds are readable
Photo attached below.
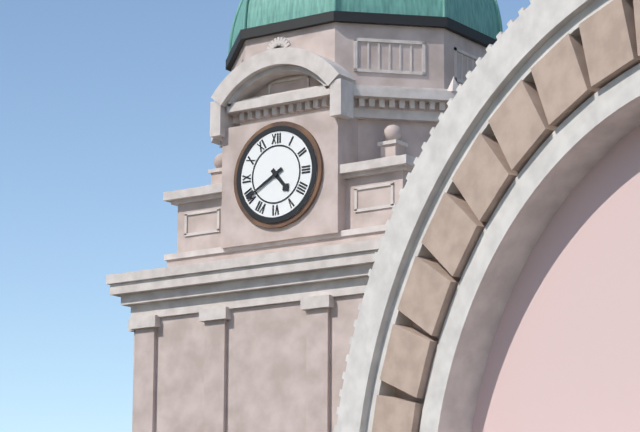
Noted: **4:40**
